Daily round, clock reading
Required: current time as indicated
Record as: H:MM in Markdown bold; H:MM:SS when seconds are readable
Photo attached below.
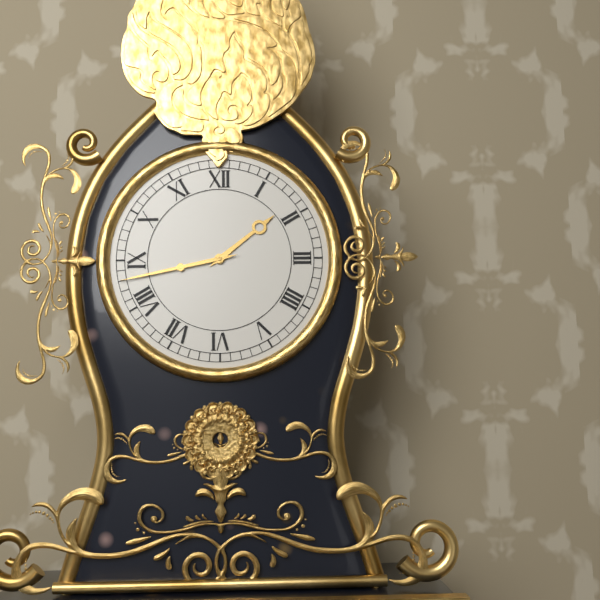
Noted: **1:43**
